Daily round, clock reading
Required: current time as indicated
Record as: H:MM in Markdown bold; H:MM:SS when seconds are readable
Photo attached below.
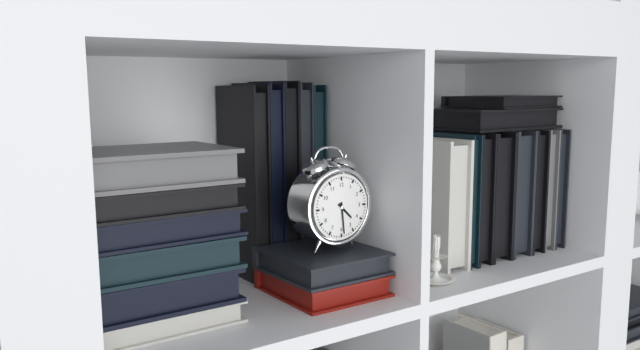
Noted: **4:29**
